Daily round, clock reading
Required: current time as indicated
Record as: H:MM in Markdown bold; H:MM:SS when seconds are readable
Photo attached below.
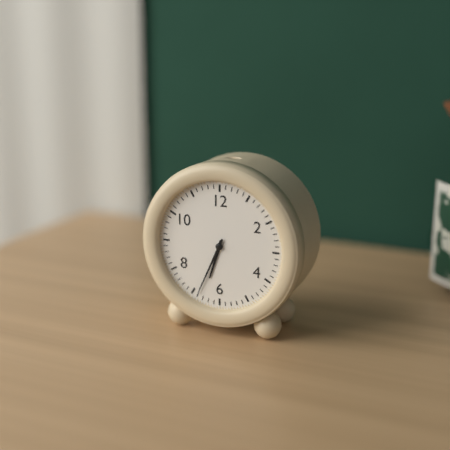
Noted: **6:34**
